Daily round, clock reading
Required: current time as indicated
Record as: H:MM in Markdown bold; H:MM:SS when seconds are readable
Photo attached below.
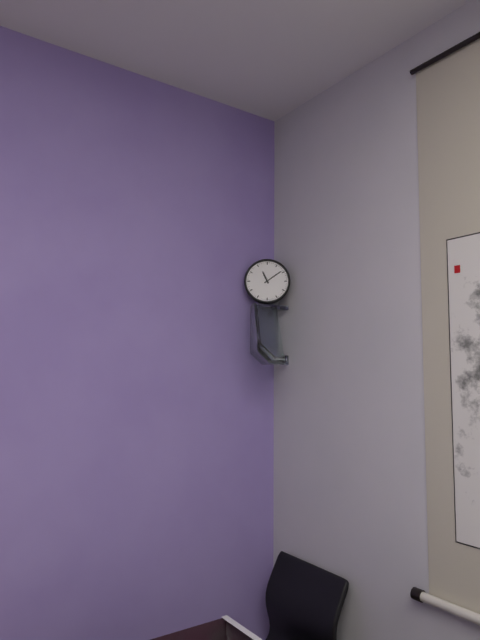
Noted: **11:09**
